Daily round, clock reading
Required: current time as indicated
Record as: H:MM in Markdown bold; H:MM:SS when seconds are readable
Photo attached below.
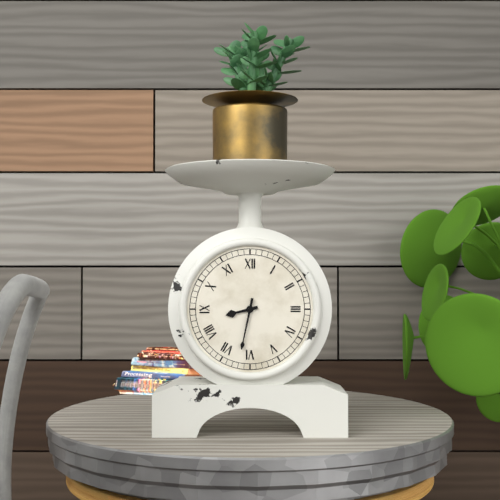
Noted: **8:32**
